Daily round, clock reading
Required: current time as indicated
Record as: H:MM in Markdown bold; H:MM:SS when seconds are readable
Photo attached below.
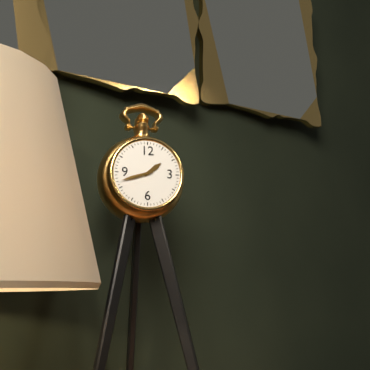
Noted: **1:42**
